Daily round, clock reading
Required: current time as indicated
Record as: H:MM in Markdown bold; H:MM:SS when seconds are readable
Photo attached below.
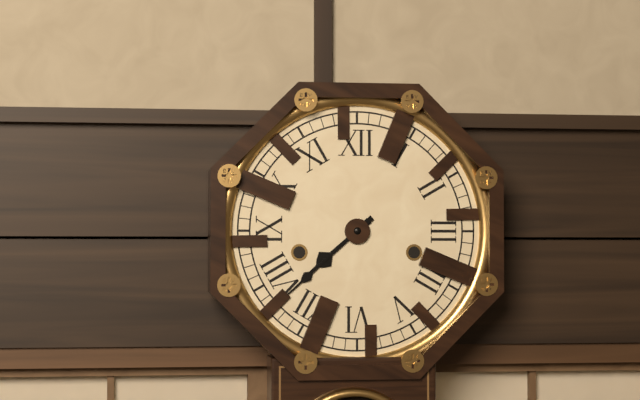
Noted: **7:38**
